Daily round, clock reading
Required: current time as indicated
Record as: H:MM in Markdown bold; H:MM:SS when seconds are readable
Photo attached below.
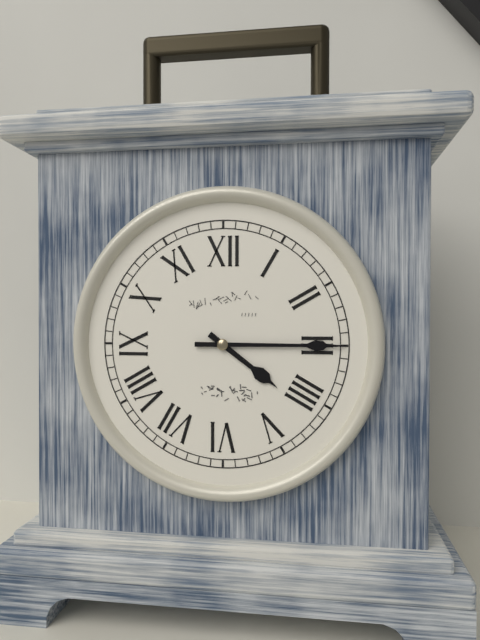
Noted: **4:15**
